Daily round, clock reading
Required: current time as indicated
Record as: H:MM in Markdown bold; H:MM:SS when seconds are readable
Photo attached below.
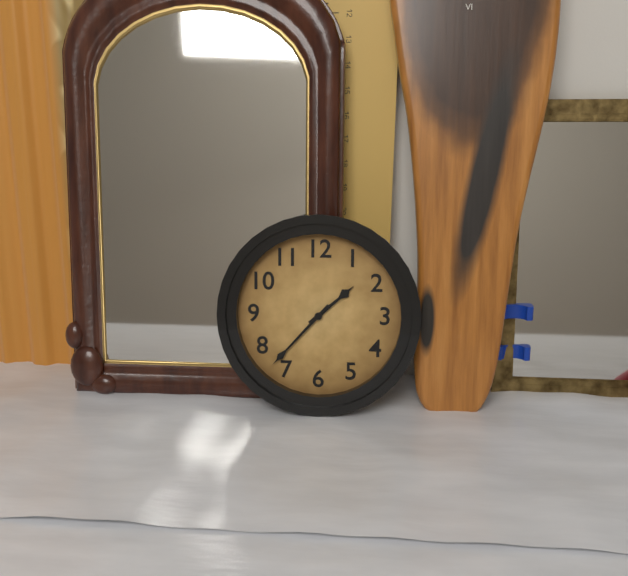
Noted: **1:37**
